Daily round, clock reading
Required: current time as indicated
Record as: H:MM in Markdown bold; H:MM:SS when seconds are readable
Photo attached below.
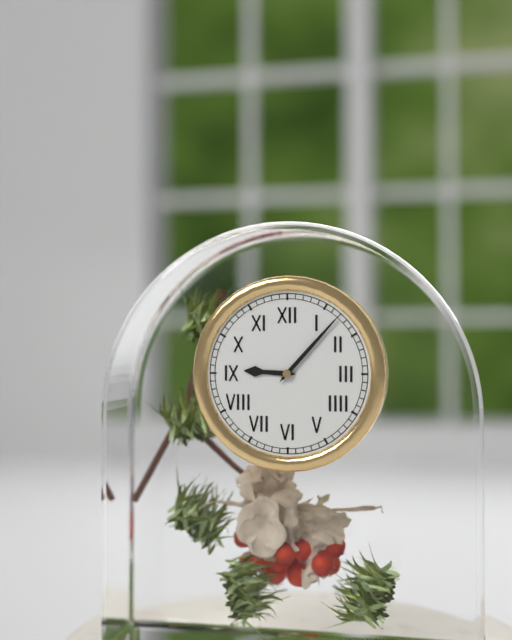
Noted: **9:07**
